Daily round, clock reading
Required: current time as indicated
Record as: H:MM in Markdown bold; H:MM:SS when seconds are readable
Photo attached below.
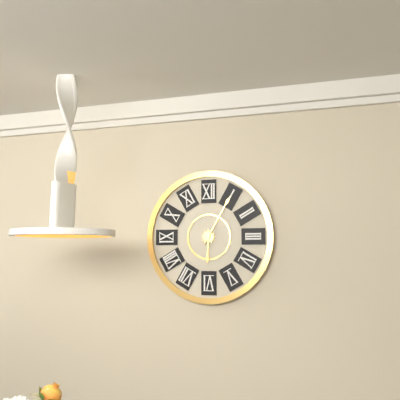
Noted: **6:05**
